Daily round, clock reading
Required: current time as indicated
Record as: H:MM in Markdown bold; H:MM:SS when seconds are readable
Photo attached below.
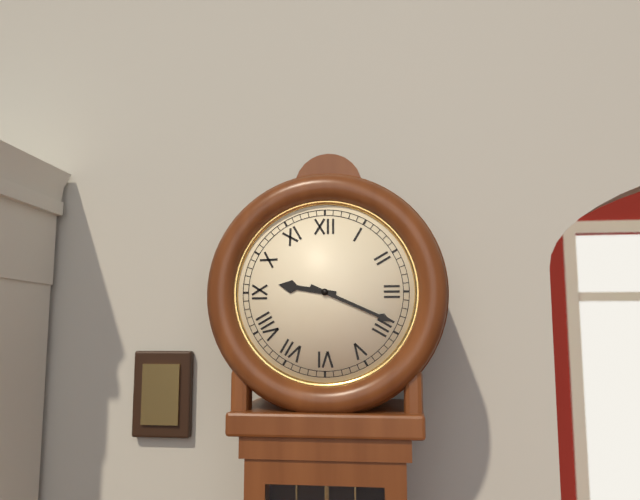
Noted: **9:19**
